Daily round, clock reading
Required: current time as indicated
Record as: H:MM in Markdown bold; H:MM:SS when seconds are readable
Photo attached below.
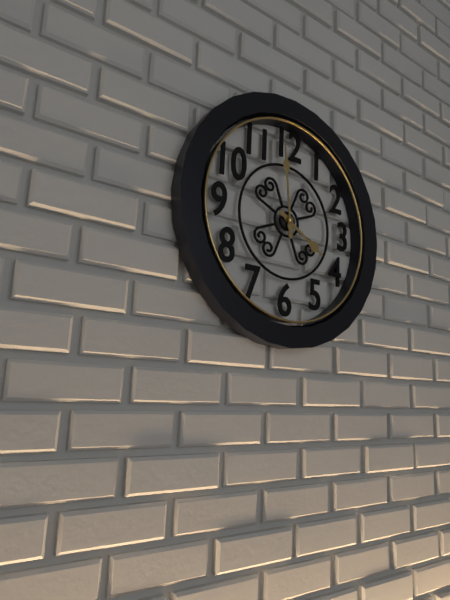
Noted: **3:59**
